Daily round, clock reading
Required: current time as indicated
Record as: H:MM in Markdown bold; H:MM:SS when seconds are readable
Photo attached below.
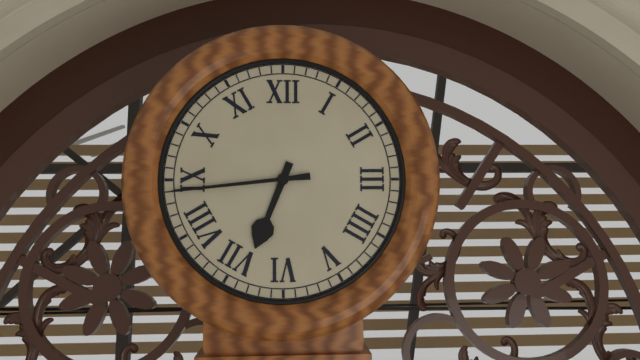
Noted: **6:44**
